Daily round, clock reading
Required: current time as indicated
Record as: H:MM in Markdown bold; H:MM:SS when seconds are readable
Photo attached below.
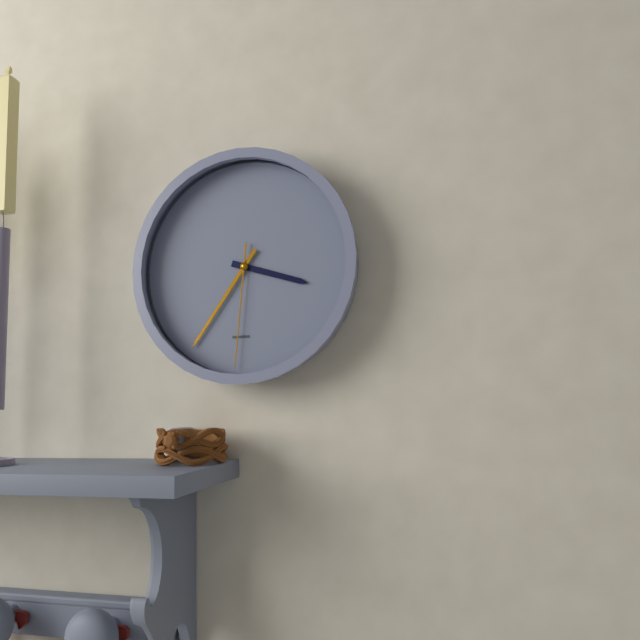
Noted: **3:36:31**
